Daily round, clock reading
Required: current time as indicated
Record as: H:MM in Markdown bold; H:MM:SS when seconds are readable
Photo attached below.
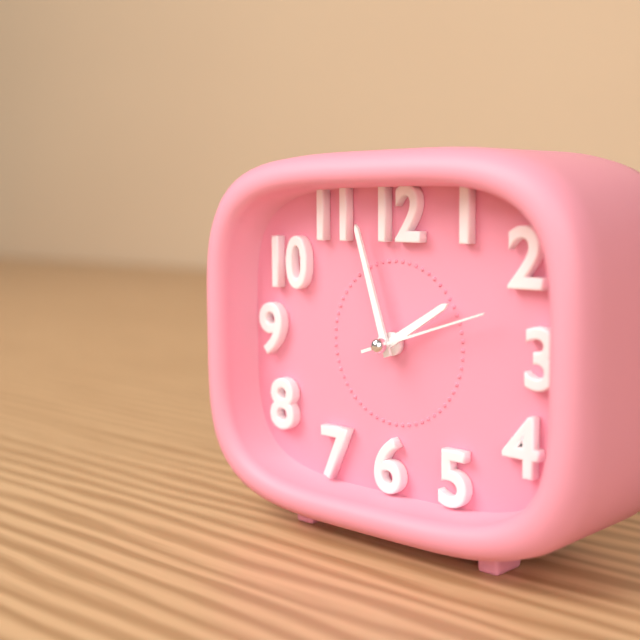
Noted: **1:57:12**
